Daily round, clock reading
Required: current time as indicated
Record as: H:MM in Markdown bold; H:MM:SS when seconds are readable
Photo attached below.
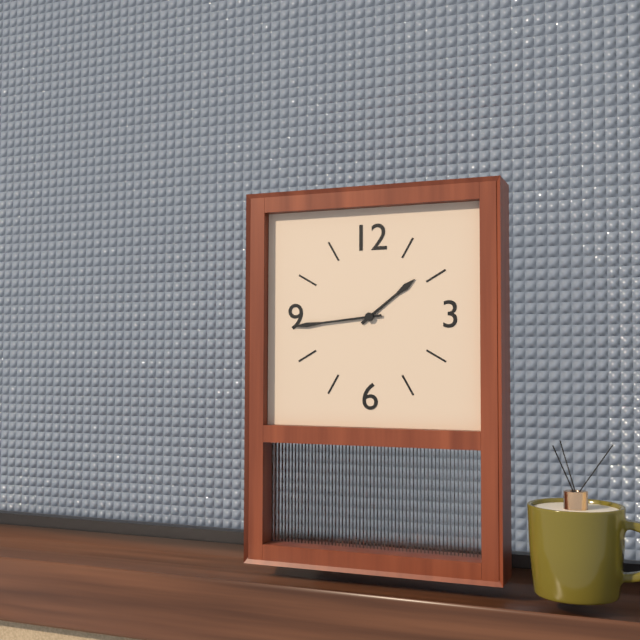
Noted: **1:44**
